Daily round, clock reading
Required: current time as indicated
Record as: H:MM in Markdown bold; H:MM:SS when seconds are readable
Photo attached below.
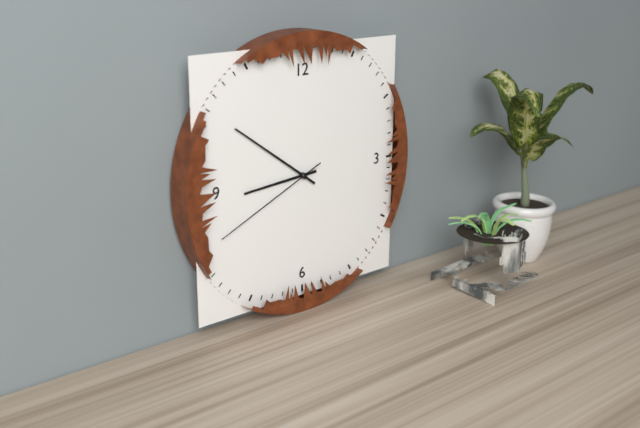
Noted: **8:51:41**
